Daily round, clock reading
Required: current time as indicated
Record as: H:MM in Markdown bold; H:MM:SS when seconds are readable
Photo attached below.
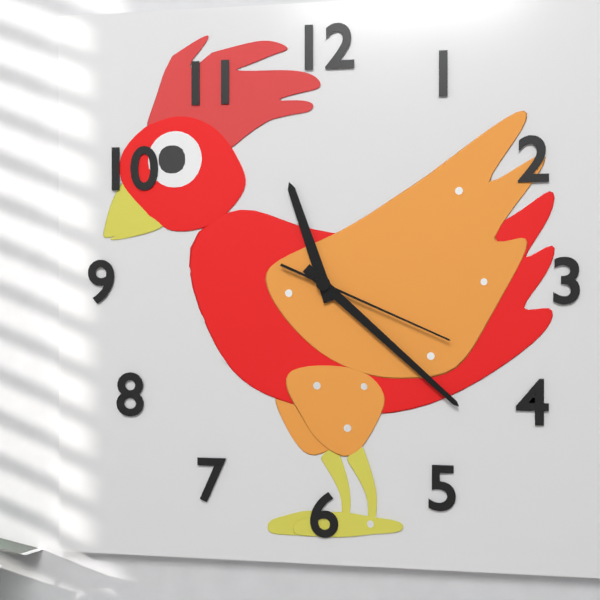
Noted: **11:22:19**
